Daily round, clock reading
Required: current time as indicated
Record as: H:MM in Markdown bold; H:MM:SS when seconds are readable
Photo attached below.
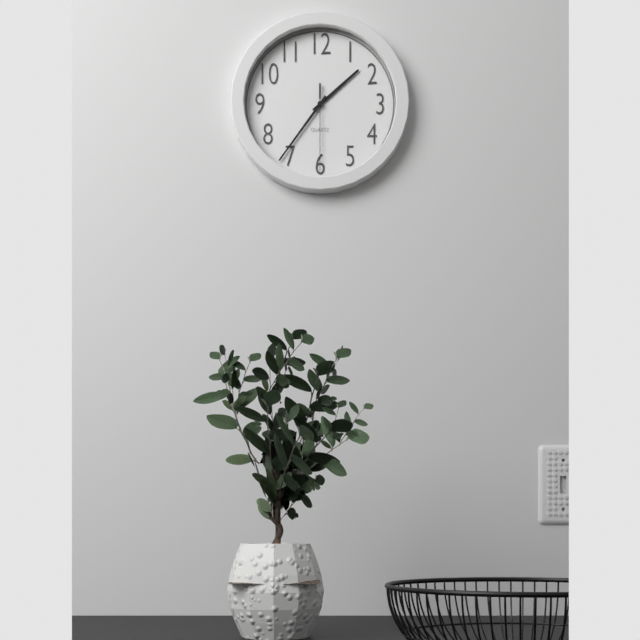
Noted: **1:36:30**
